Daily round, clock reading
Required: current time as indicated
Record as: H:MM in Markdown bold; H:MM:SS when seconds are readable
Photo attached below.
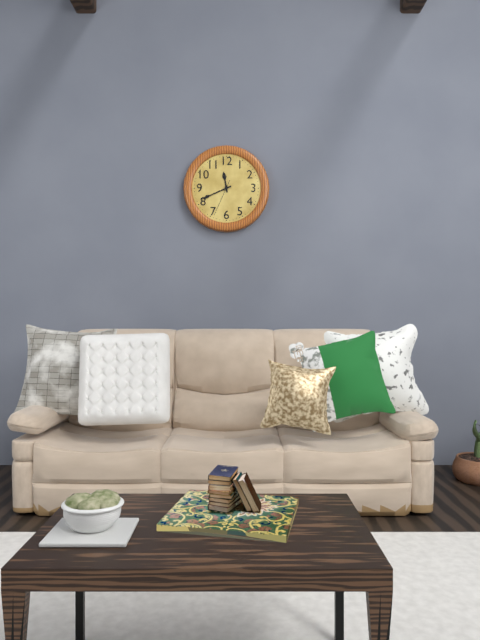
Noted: **11:41**
